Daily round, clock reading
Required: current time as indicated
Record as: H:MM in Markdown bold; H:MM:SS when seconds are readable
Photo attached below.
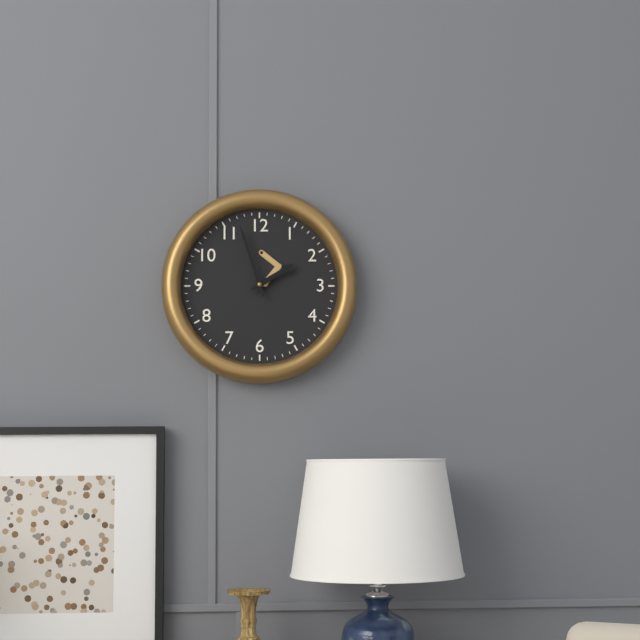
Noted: **1:57**
